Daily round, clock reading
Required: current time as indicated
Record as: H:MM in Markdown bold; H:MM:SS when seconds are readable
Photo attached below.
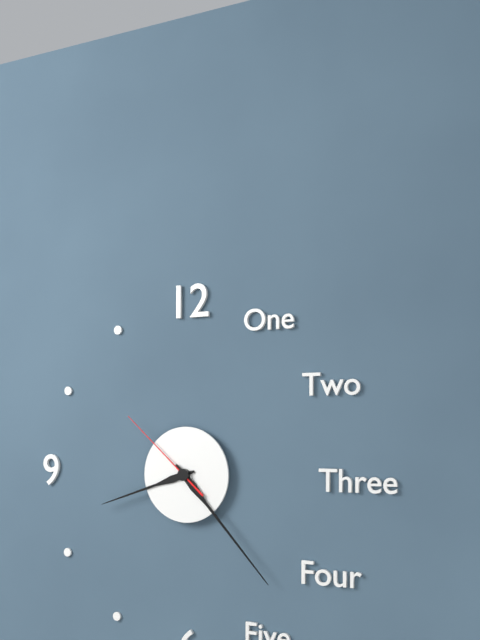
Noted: **8:23:52**
